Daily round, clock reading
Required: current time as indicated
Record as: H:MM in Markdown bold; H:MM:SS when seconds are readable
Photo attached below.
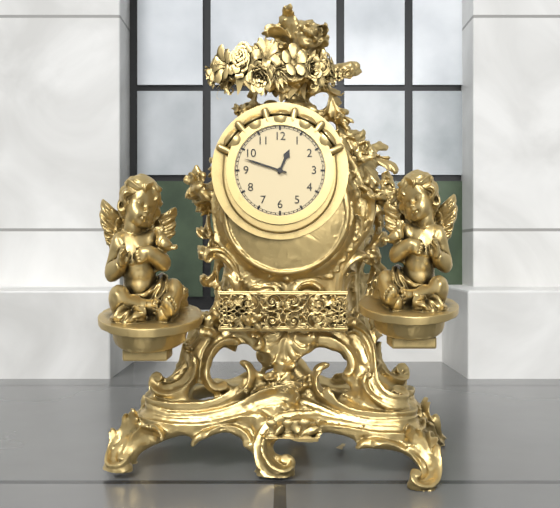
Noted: **12:48**
